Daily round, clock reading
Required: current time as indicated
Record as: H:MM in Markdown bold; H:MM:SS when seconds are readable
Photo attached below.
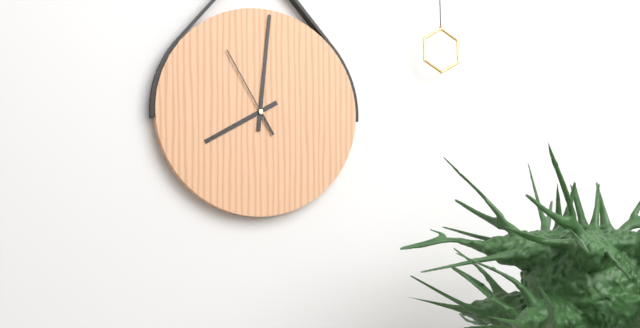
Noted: **8:01:55**
